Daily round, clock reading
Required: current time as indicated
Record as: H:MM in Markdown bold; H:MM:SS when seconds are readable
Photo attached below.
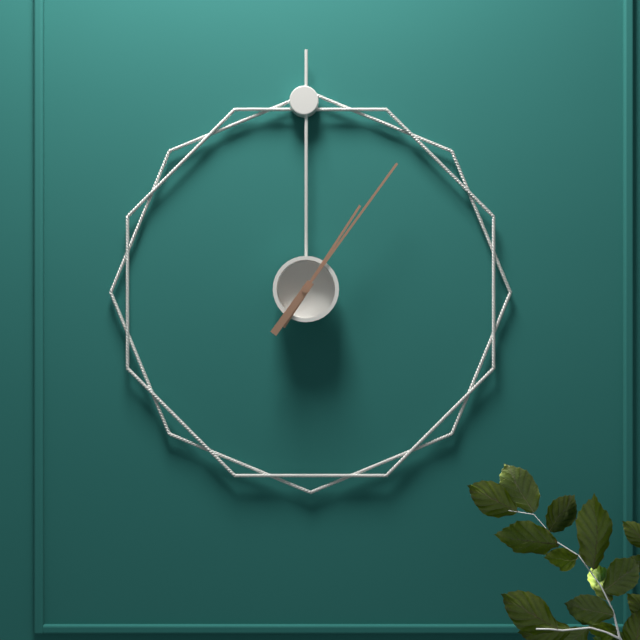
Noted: **1:06**
